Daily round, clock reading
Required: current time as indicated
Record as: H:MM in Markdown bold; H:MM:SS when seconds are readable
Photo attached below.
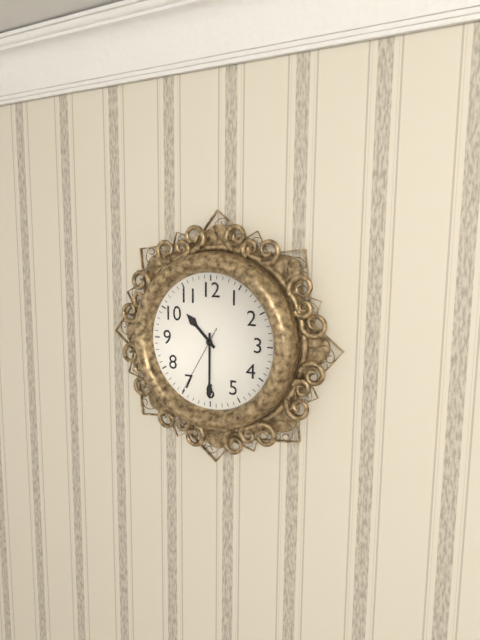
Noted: **10:30:35**
